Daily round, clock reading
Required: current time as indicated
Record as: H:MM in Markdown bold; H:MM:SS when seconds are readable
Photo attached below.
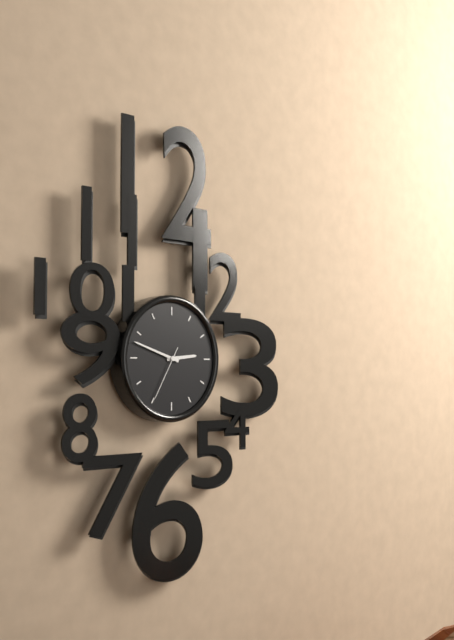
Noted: **2:48:35**
